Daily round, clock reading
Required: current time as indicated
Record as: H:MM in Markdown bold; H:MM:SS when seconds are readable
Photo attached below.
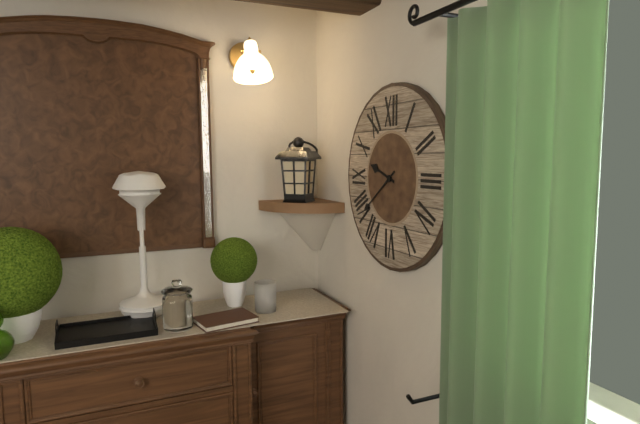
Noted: **9:39**
